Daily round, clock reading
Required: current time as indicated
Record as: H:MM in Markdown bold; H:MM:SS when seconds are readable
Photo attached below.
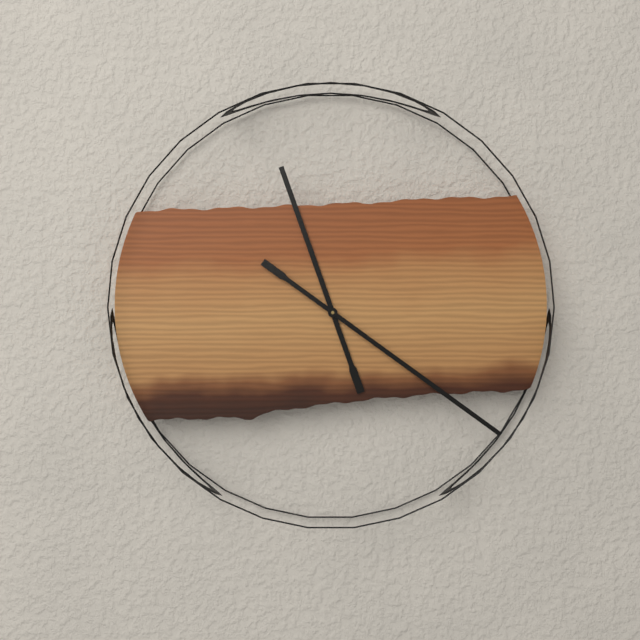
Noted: **11:21**
